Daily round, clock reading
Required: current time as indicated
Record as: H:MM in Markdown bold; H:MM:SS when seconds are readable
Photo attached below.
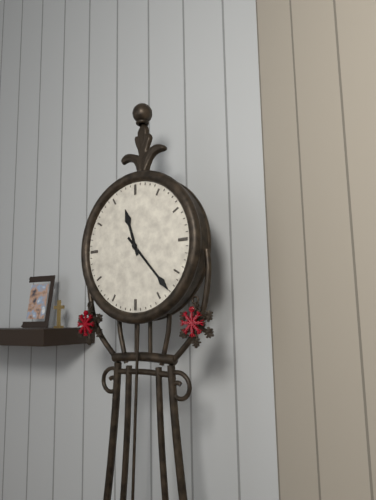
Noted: **11:23**
